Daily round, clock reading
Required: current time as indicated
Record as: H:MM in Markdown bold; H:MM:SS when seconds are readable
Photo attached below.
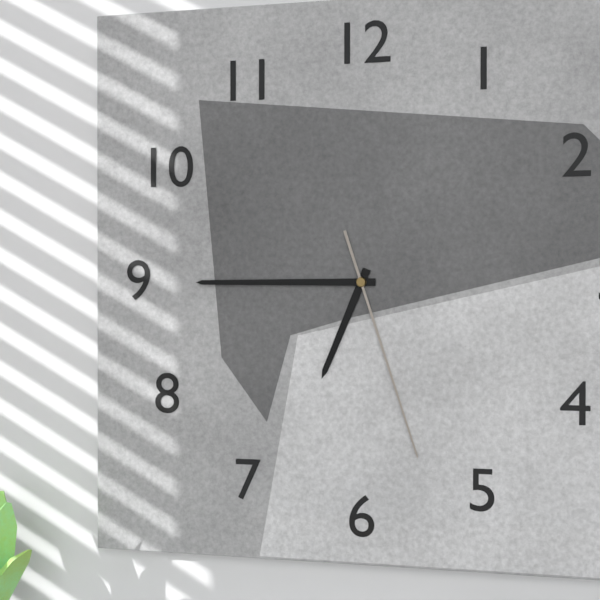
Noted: **6:45:27**
